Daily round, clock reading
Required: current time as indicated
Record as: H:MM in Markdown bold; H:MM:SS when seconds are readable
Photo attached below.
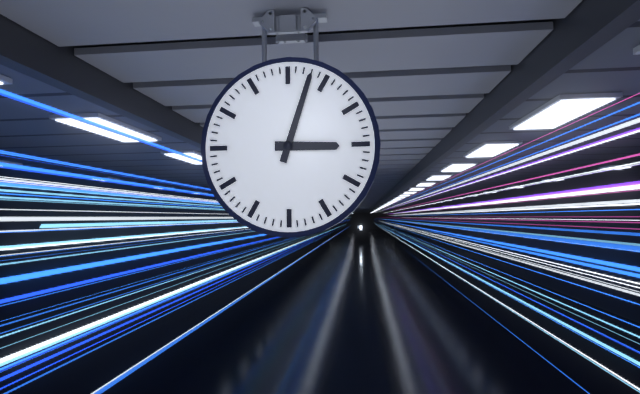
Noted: **3:03**
